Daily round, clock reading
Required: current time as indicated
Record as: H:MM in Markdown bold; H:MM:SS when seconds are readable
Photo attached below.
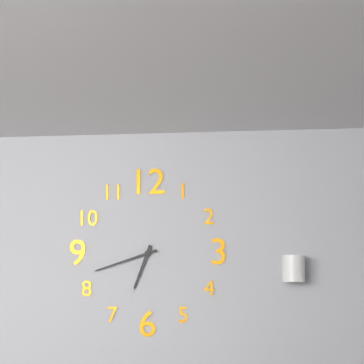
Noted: **6:42**
